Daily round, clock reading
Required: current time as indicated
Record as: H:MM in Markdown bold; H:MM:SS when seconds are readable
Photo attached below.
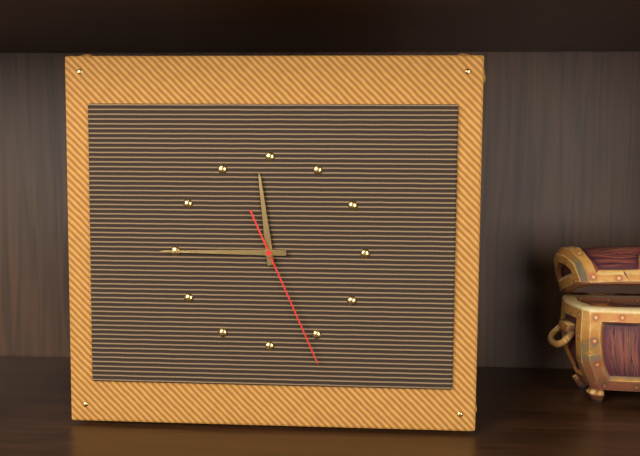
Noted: **11:45:26**
